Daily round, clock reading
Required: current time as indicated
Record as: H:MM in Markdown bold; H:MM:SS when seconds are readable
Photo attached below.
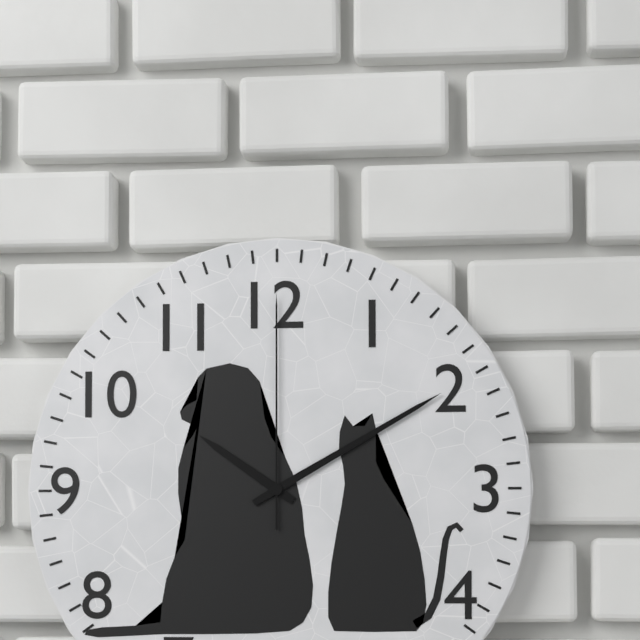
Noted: **10:10:00**
